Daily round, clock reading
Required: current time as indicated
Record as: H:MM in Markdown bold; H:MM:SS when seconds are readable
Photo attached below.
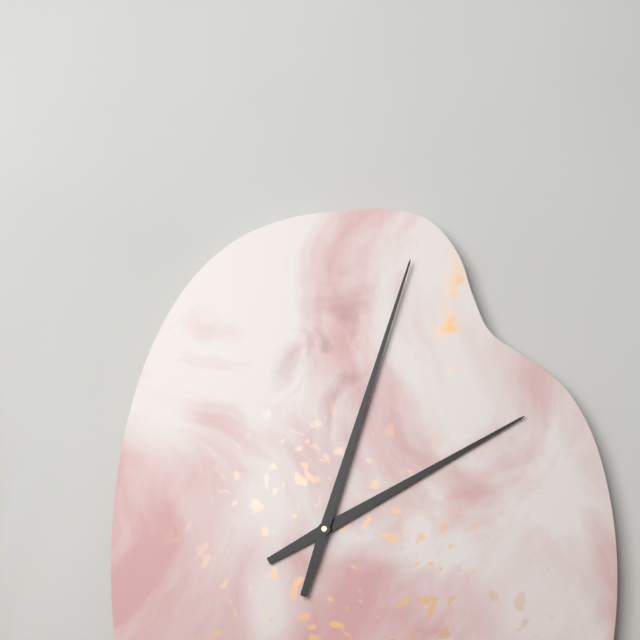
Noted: **2:03**
